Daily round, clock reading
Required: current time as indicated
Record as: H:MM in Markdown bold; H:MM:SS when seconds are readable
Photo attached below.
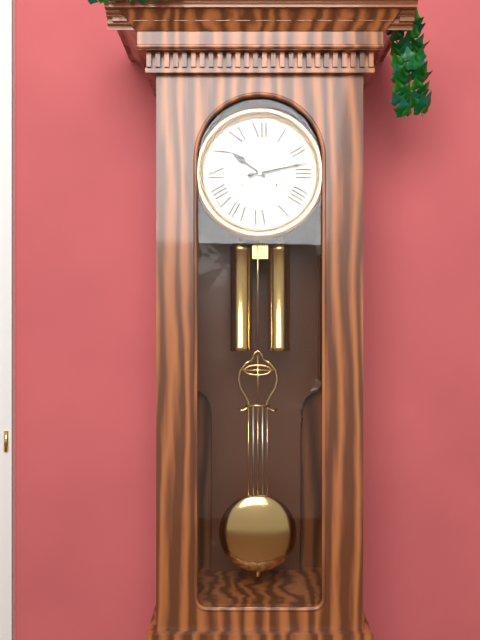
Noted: **10:13**
